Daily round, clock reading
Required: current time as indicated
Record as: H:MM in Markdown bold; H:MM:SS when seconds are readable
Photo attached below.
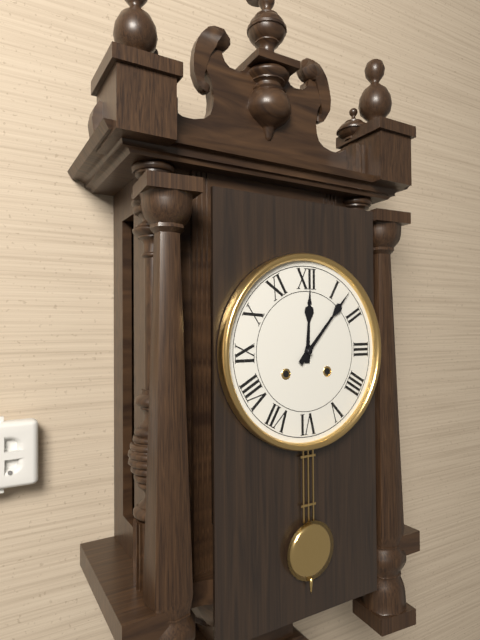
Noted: **12:07**
